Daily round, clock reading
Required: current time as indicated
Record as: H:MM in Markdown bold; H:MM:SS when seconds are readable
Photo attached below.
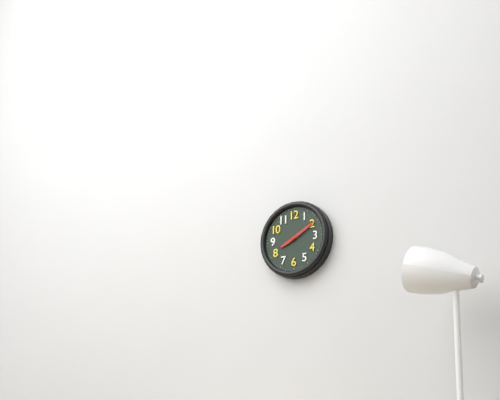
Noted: **8:10**
